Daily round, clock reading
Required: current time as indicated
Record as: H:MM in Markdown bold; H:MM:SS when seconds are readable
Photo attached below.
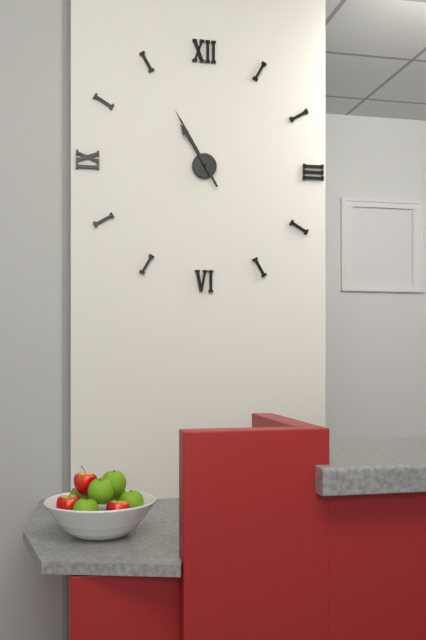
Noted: **10:55**
